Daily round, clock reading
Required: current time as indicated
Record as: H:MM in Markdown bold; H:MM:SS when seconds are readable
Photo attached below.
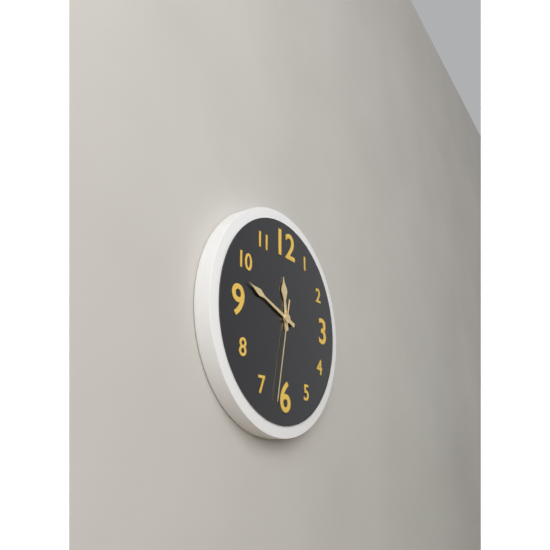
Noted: **11:48:32**
